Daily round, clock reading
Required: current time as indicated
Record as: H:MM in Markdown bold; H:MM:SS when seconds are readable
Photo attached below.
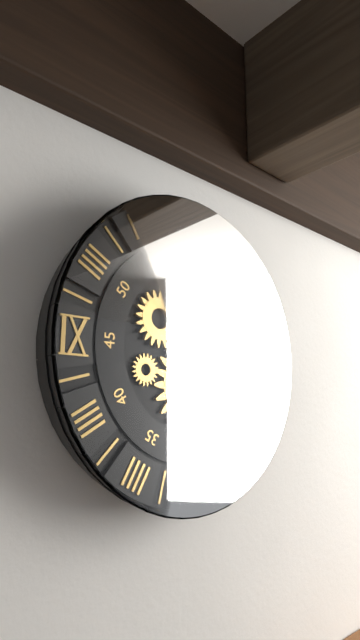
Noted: **4:03**
